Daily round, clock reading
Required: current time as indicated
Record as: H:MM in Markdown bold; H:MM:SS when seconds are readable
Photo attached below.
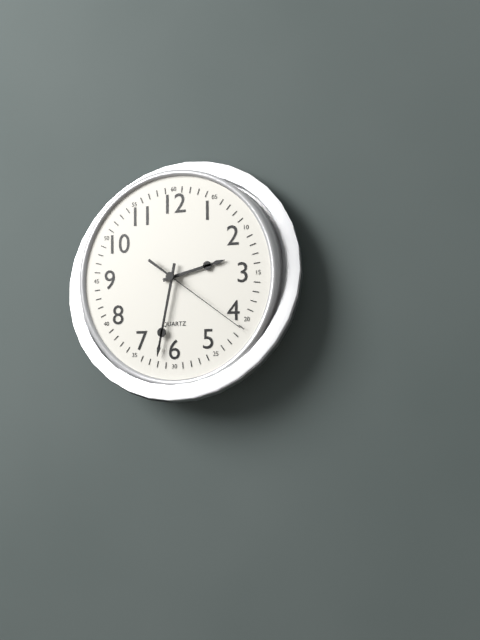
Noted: **2:32:21**
